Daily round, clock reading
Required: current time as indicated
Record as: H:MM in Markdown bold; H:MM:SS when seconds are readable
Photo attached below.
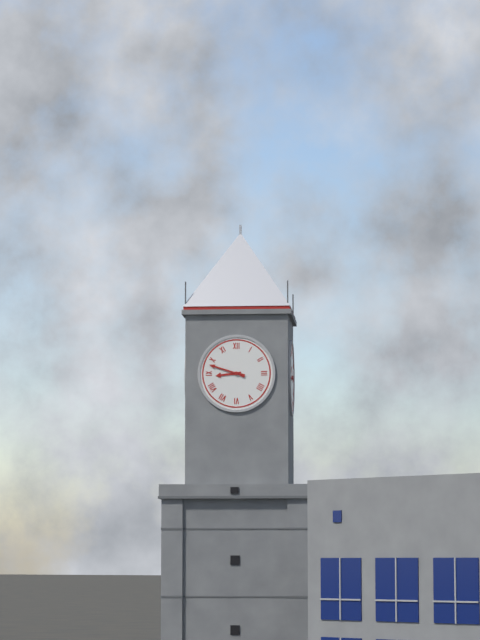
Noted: **8:48**
